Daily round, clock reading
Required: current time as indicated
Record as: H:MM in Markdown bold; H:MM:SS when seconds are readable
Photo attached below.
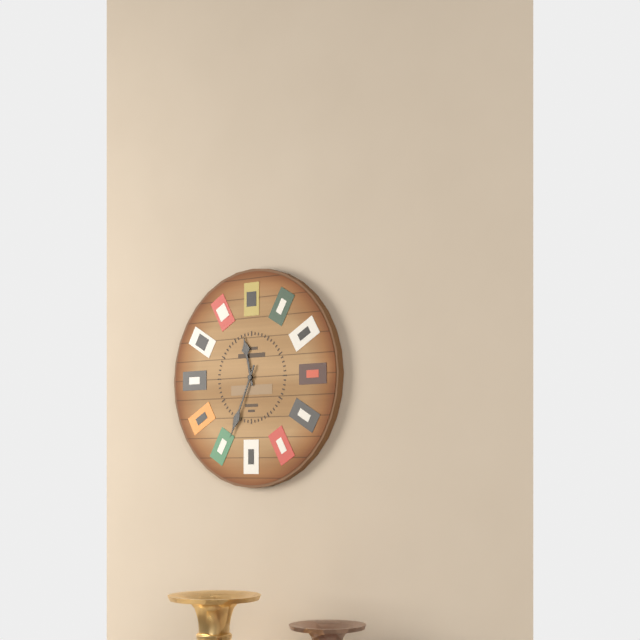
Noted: **11:34**
